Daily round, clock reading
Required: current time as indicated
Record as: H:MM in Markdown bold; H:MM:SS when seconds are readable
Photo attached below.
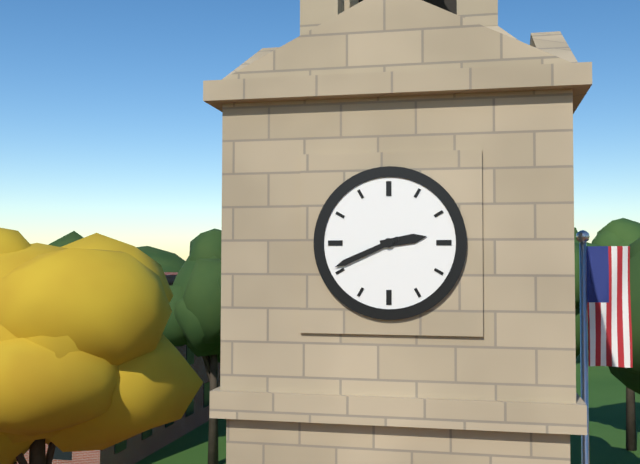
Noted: **2:41**
